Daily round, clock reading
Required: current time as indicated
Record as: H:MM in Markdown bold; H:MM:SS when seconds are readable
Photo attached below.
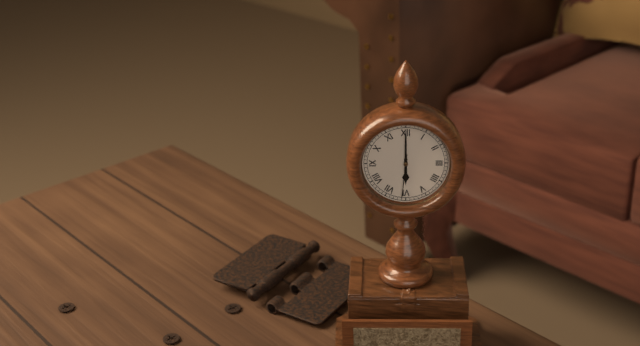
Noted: **6:00**
